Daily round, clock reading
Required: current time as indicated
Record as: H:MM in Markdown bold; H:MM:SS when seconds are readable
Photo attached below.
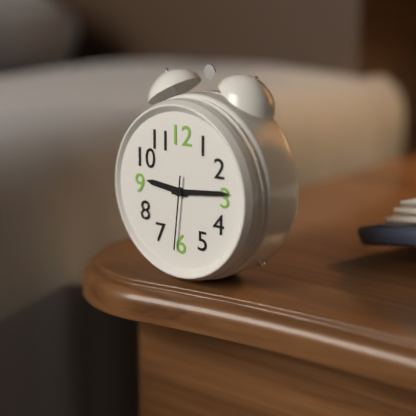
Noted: **9:14:31**
